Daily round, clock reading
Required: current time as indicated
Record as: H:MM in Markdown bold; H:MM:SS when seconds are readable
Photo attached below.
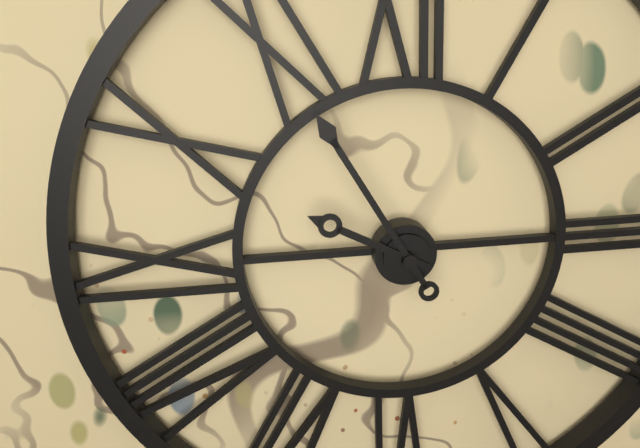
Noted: **9:55**
